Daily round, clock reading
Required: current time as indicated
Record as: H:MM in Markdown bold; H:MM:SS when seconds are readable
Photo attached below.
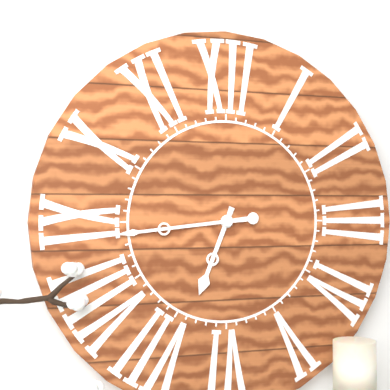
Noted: **6:44**
